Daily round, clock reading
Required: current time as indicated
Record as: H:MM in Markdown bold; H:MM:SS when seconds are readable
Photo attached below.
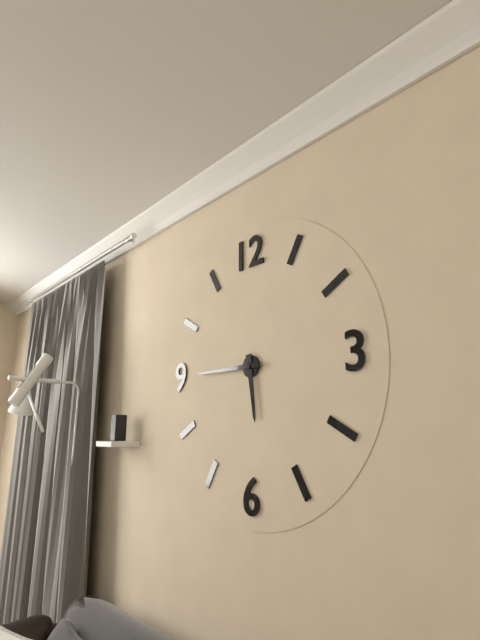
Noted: **5:45**
